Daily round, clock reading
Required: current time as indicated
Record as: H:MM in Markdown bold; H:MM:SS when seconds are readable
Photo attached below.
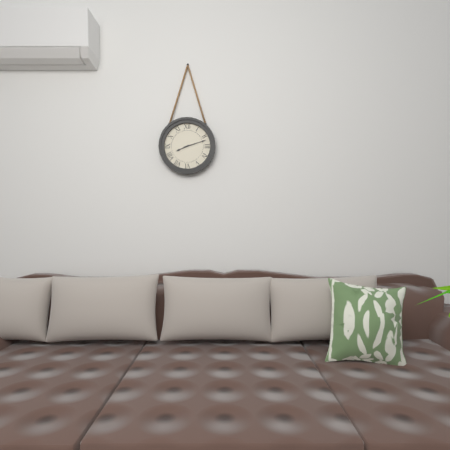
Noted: **8:12**
